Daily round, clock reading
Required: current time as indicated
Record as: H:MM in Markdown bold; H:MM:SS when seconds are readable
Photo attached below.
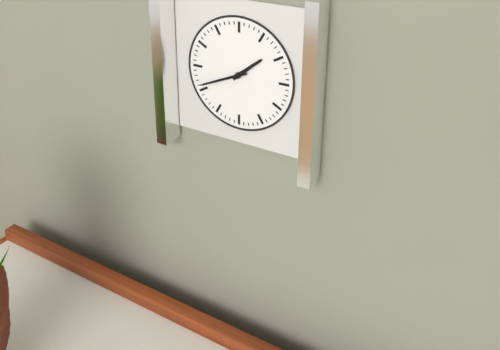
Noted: **1:41**
